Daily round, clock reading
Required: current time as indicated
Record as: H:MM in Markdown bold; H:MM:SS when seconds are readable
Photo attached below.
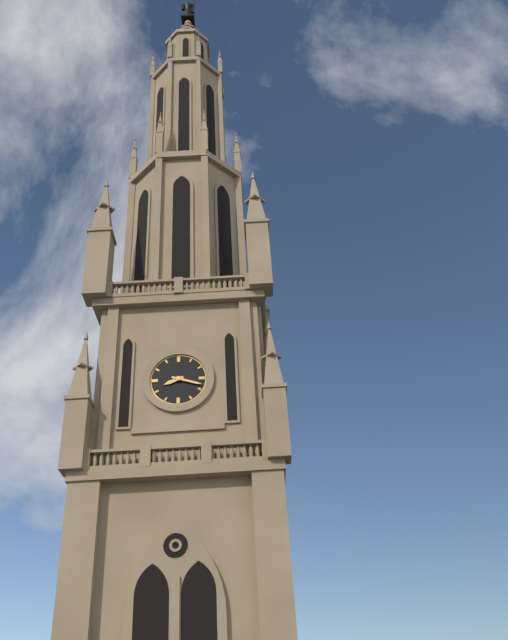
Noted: **8:18**
